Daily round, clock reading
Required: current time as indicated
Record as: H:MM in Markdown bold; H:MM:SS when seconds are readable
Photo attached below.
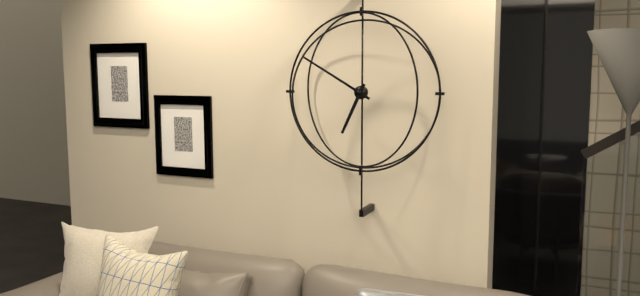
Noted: **6:50**
